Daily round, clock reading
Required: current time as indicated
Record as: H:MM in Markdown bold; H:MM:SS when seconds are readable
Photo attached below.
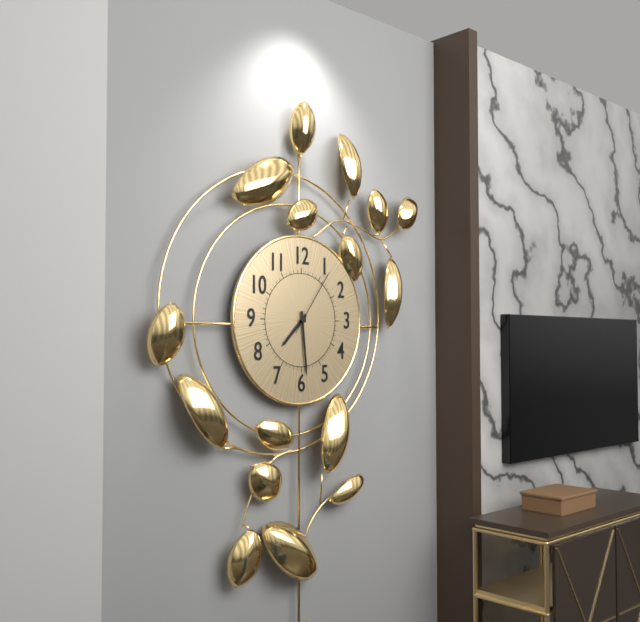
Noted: **7:29:06**
